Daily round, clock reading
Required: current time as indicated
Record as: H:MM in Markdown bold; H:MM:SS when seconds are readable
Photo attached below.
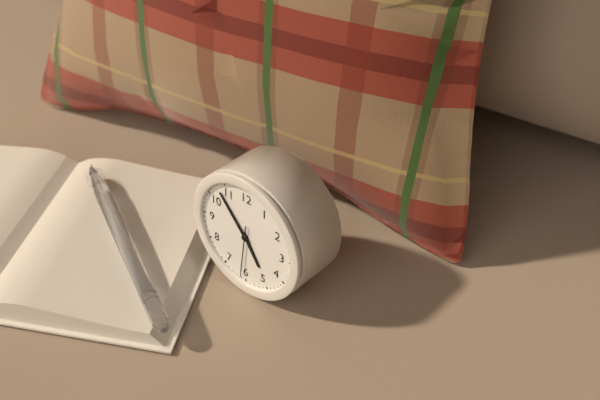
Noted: **4:53**
